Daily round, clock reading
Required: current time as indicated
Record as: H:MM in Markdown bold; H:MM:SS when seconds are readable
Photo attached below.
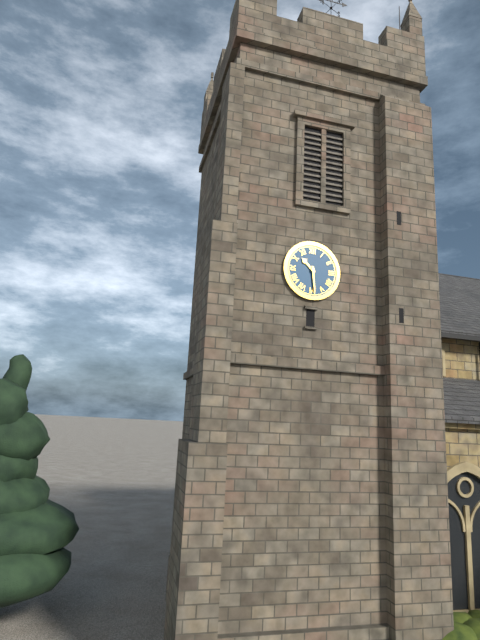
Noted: **10:29**
